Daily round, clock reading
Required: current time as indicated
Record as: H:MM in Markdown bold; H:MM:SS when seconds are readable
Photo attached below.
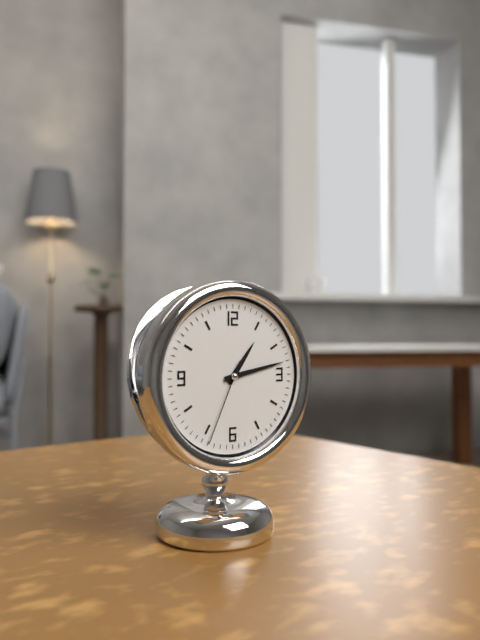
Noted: **1:13:34**
